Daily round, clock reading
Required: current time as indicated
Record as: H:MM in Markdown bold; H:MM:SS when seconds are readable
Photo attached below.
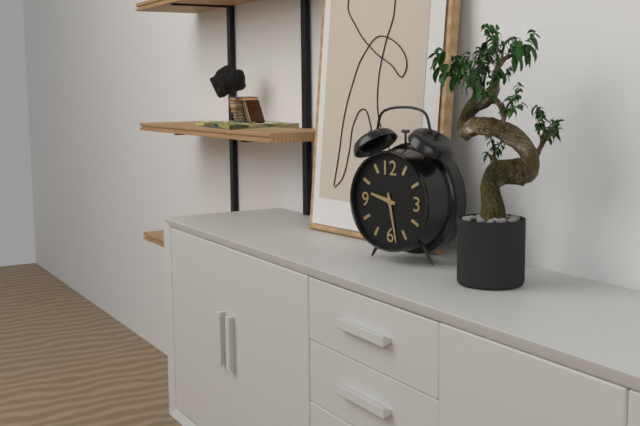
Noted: **9:28**
